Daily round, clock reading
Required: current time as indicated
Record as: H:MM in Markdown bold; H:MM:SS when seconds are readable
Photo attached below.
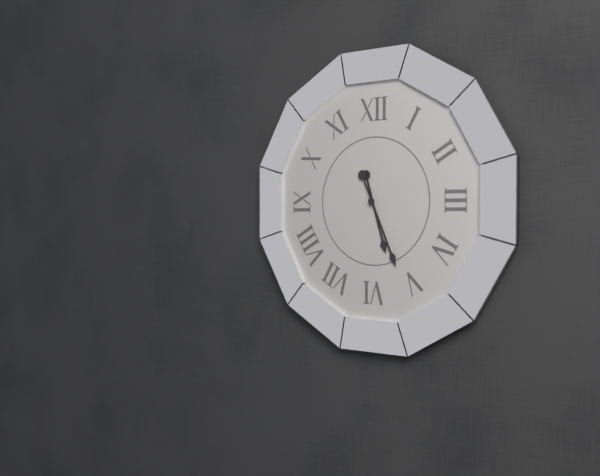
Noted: **5:26**
